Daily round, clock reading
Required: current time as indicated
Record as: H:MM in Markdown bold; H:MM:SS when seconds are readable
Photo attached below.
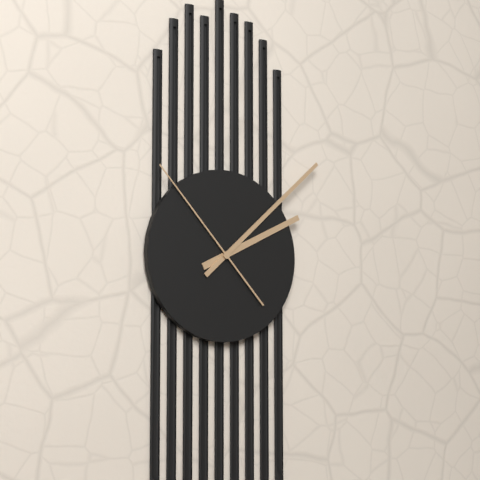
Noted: **2:08:53**
